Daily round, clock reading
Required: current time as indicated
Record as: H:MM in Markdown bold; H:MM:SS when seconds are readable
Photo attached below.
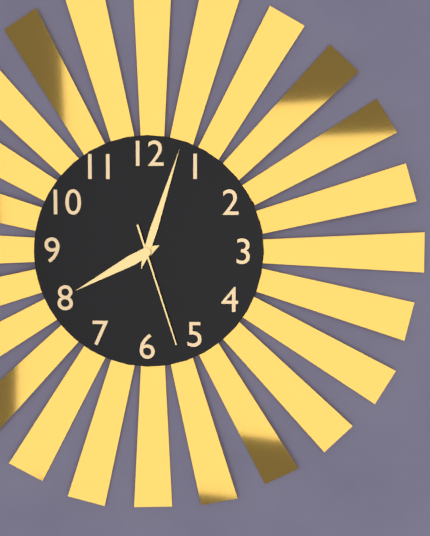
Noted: **8:03:27**
